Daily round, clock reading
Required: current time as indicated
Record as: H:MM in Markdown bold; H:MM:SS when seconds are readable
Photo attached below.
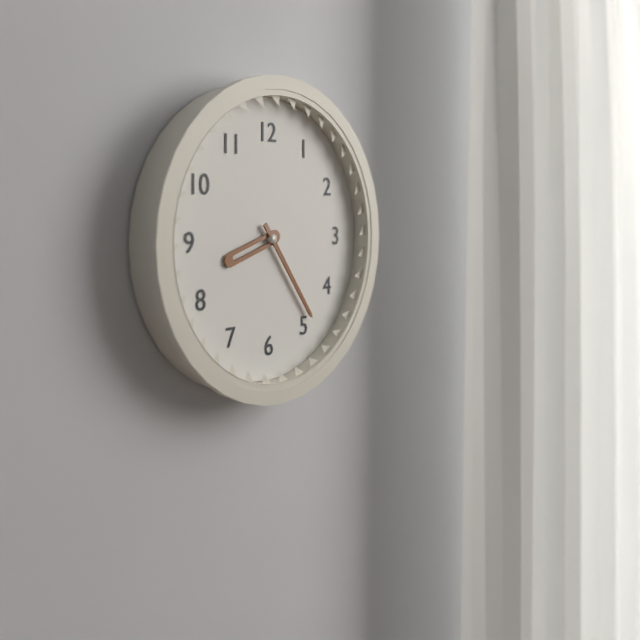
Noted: **8:24**
